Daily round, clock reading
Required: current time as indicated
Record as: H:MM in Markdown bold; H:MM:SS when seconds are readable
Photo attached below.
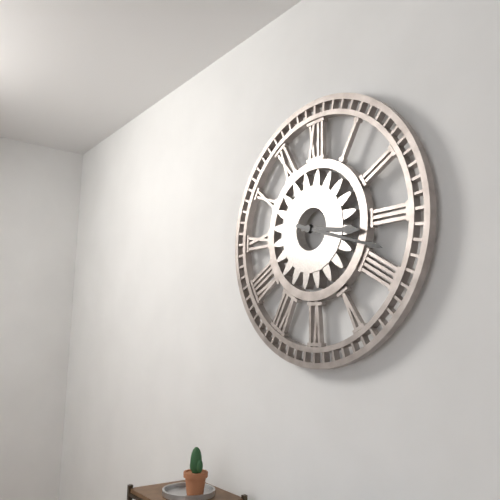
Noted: **3:18**
